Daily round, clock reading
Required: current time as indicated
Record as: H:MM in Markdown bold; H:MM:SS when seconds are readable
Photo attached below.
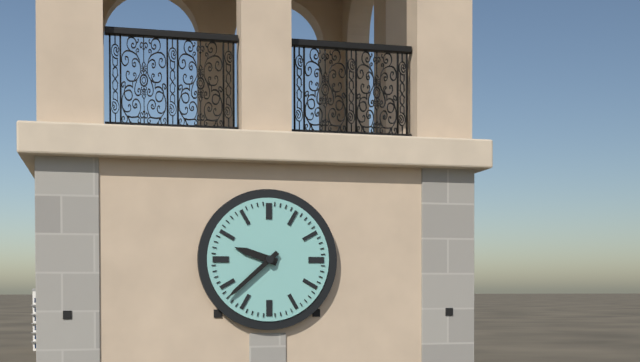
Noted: **9:38**
